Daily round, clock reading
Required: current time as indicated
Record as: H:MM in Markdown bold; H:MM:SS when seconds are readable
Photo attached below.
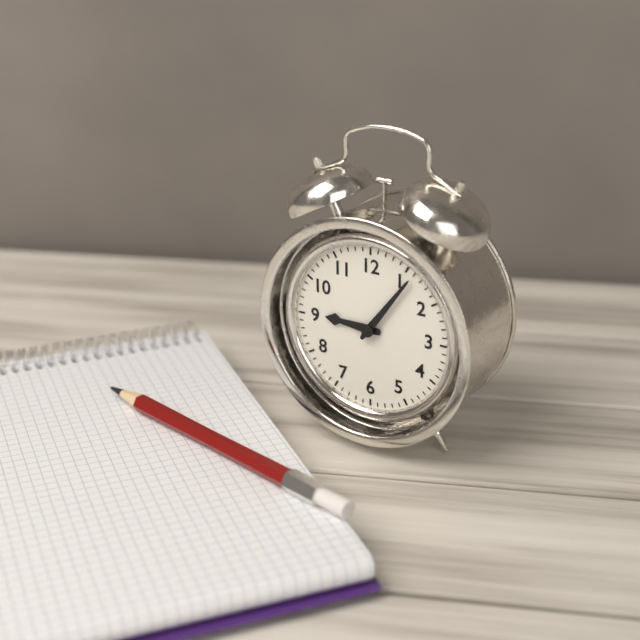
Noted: **9:06**
